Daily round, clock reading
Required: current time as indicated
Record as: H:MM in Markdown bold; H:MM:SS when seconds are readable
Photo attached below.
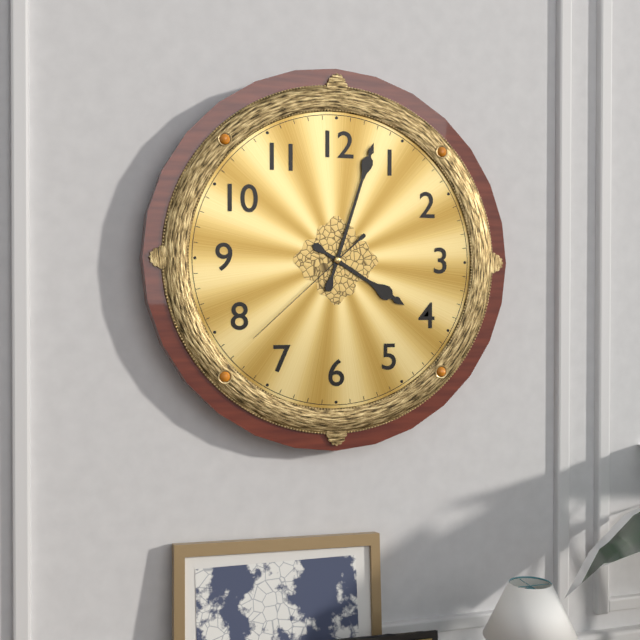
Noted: **4:03:38**
